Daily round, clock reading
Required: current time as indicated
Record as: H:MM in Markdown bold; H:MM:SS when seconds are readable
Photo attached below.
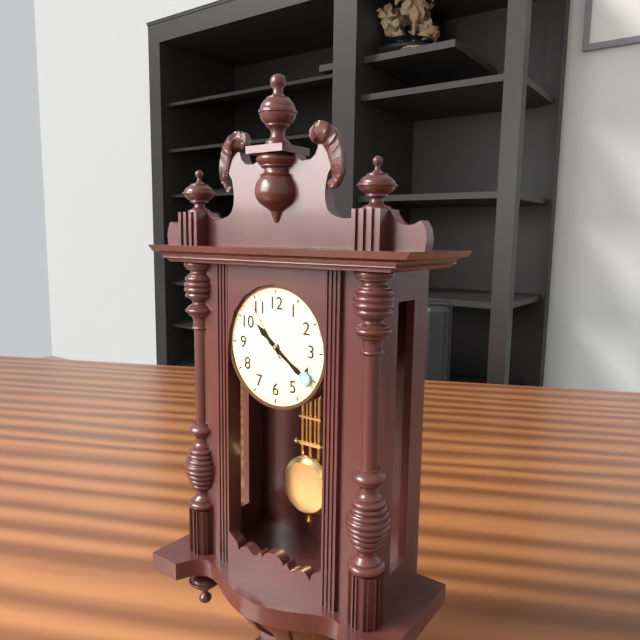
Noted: **10:21:54**
